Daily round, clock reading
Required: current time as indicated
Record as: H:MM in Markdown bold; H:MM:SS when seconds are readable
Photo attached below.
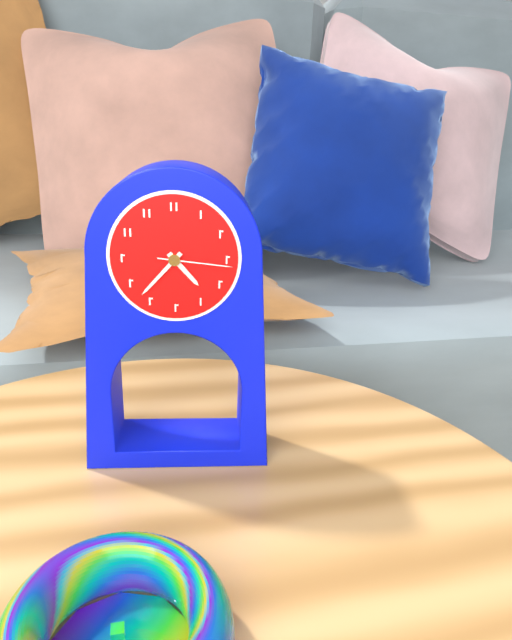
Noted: **4:37:16**
